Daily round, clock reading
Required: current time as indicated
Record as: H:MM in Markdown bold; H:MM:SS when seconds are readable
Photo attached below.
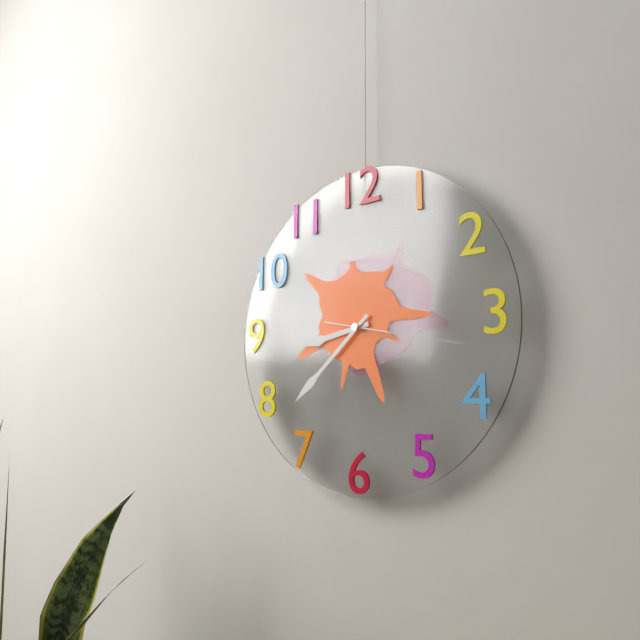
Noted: **8:38:17**
